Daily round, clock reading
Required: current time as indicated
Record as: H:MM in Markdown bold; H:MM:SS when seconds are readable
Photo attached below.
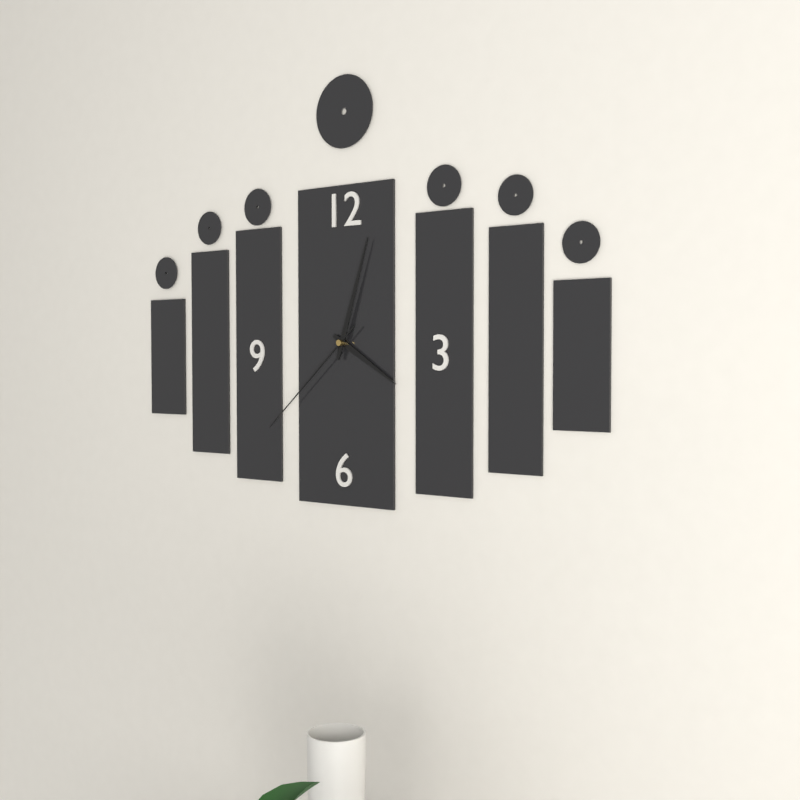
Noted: **4:03:38**
